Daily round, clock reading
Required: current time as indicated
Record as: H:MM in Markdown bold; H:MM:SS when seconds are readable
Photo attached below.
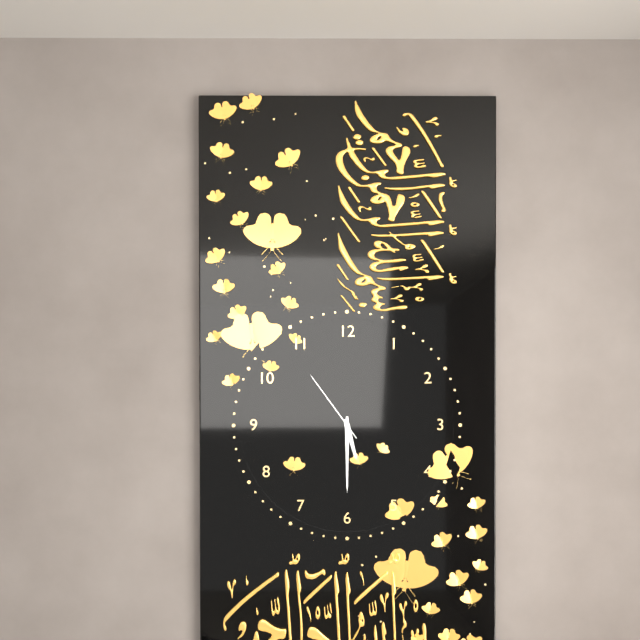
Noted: **5:30:54**
